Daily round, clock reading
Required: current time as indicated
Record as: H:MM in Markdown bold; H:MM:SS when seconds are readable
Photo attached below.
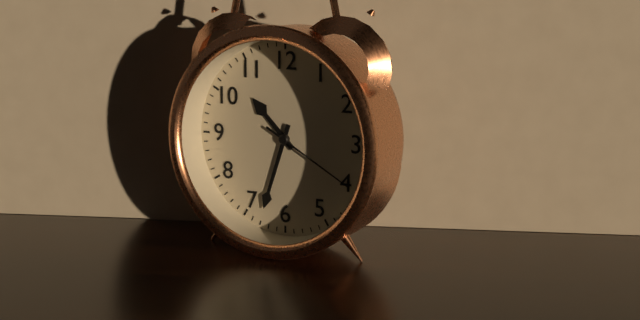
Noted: **10:33:20**
